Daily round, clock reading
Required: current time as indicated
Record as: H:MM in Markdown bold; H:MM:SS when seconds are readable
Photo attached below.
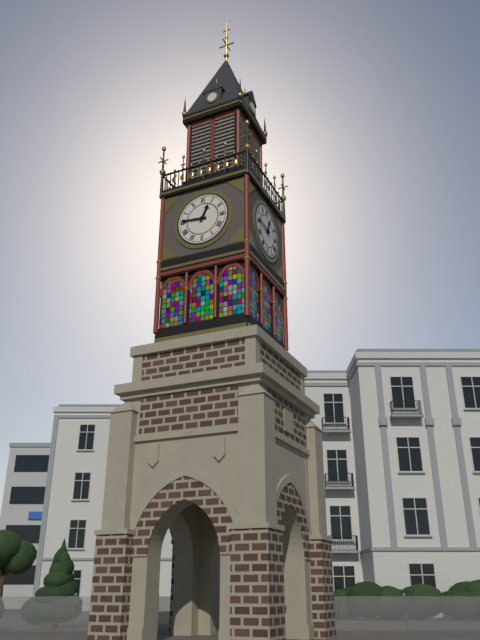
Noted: **12:46**
